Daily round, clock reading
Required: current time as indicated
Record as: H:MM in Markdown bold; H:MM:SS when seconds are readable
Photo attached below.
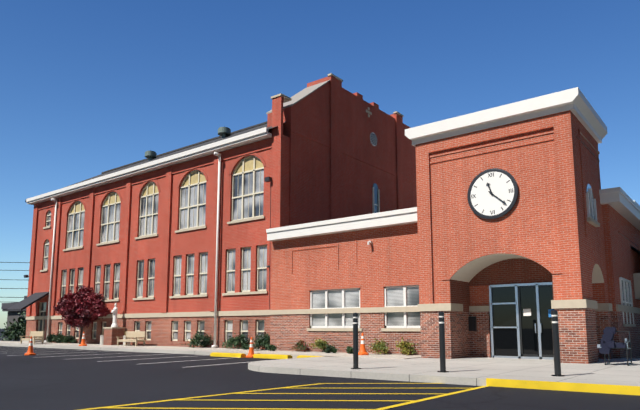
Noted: **11:22**
